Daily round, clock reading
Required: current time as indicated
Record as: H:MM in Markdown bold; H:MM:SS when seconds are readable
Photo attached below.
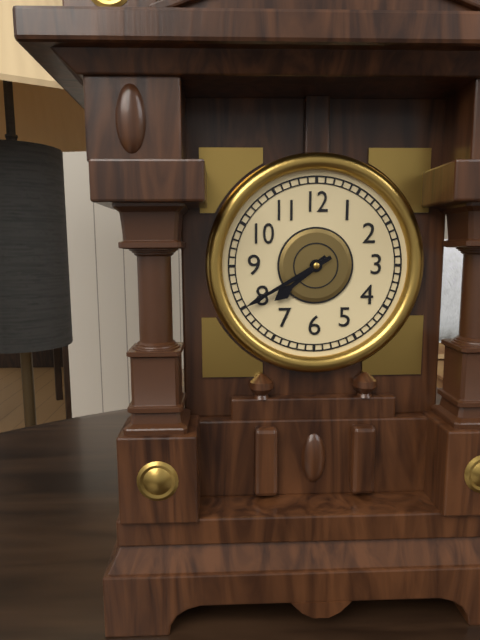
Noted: **7:40**
